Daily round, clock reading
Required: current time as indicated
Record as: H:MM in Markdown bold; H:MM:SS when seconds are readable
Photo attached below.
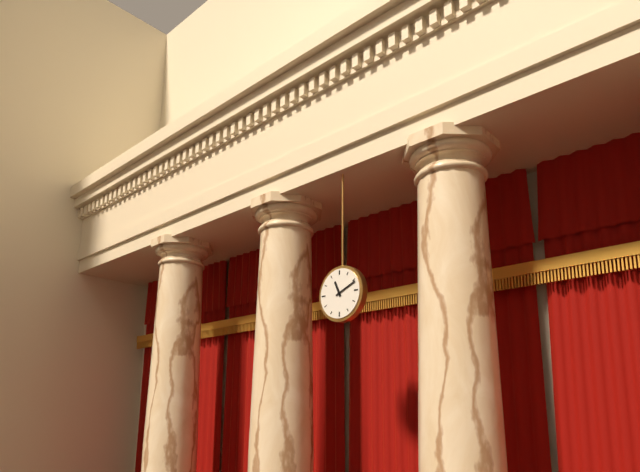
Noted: **11:11**
